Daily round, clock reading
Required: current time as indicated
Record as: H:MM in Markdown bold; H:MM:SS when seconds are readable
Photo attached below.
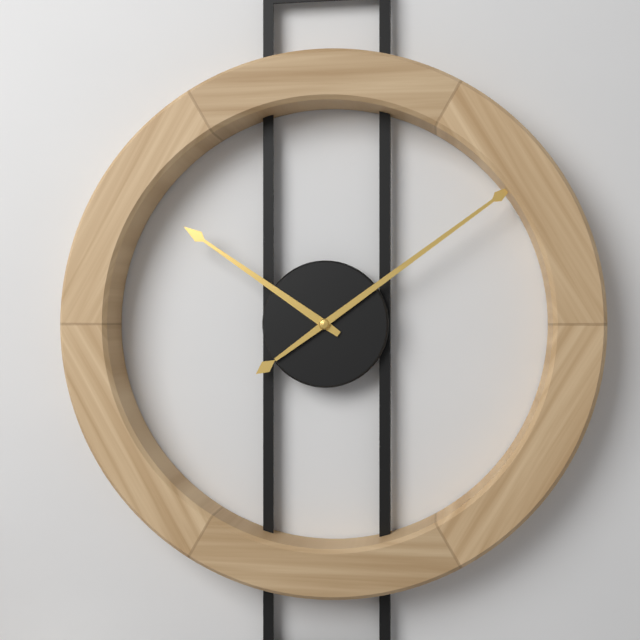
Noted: **10:09**
